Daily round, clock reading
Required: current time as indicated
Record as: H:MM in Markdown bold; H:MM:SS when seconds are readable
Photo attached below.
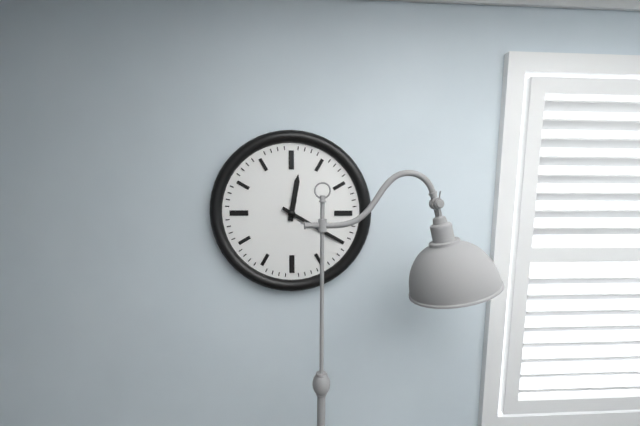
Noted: **12:20**
